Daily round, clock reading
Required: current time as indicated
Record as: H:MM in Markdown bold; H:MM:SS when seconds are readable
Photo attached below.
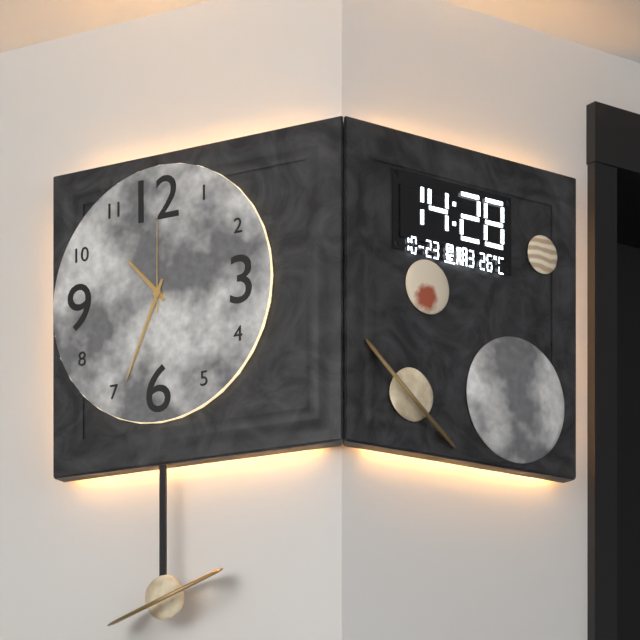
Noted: **10:34:00**
